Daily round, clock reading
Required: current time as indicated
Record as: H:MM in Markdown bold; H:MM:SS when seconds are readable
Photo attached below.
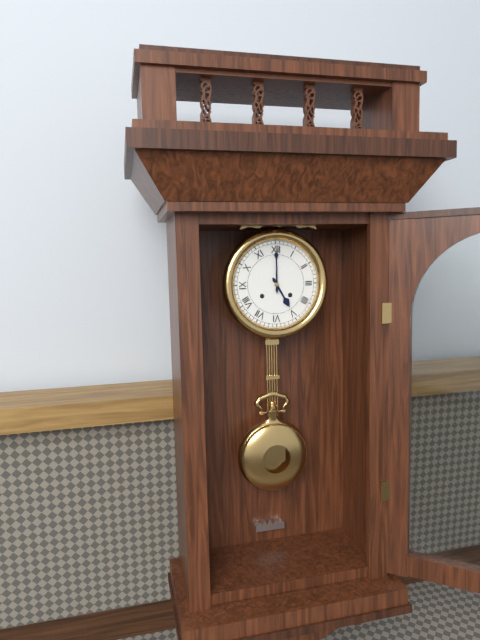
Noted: **5:00**
